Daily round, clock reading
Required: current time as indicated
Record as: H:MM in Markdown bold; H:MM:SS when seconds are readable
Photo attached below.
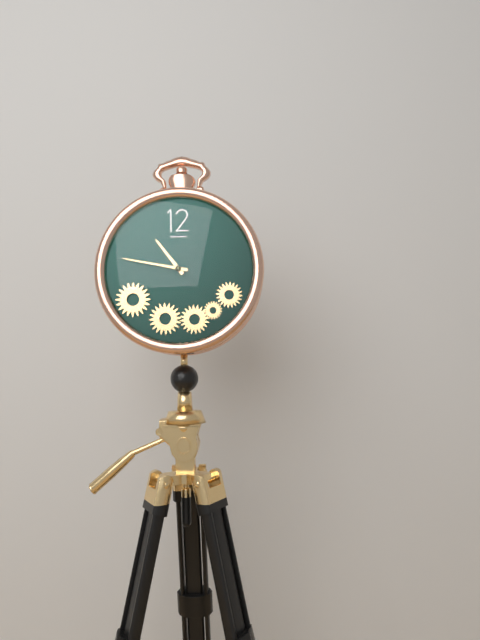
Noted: **10:47**
